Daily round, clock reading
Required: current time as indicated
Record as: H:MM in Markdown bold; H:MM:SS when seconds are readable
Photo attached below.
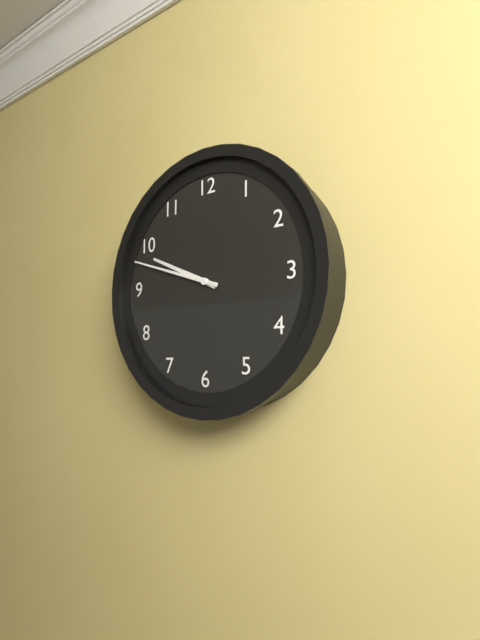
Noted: **9:48**
